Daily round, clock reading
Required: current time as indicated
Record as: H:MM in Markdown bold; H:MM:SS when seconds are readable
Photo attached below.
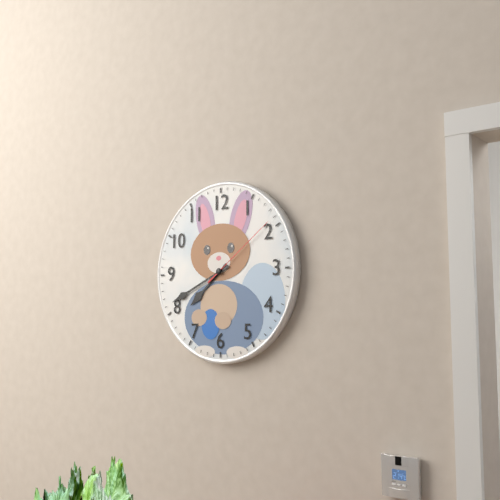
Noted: **7:41:09**
